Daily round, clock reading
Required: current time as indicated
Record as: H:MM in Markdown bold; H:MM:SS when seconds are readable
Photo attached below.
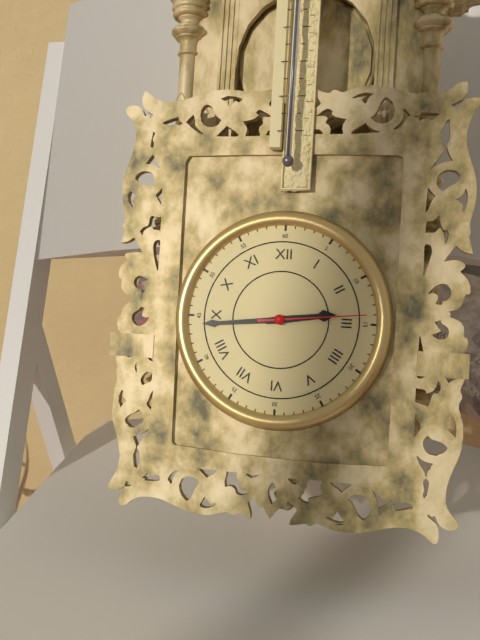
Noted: **2:44:14**
